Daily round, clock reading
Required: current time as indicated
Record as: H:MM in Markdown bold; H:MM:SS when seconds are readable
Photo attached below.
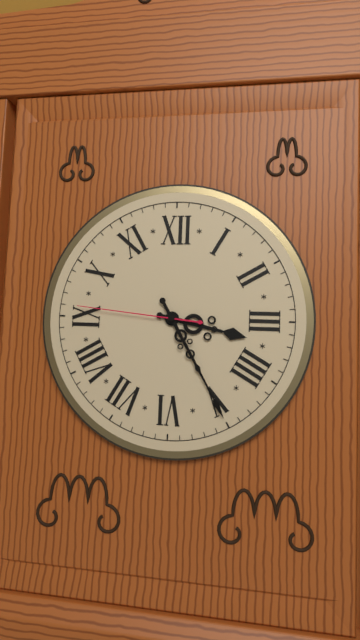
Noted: **3:25:46**
